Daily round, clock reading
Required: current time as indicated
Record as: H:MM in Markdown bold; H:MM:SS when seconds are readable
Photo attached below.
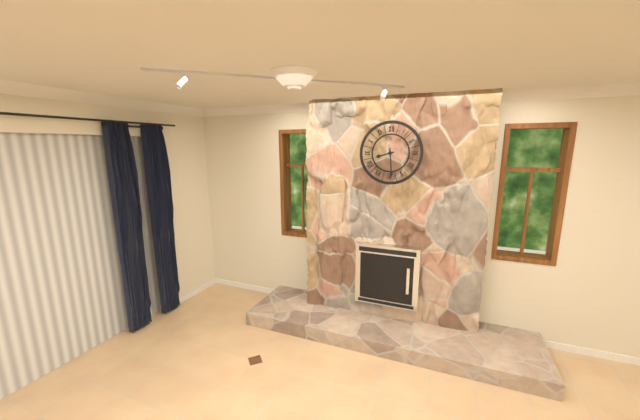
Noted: **8:29**
